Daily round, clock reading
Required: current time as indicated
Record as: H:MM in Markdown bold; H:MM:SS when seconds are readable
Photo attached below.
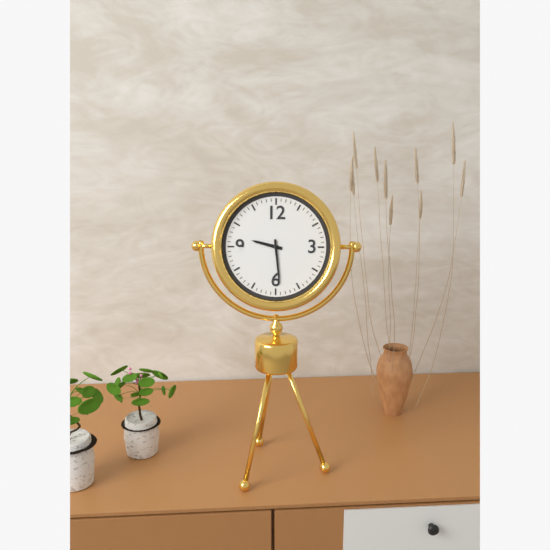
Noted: **9:29**
